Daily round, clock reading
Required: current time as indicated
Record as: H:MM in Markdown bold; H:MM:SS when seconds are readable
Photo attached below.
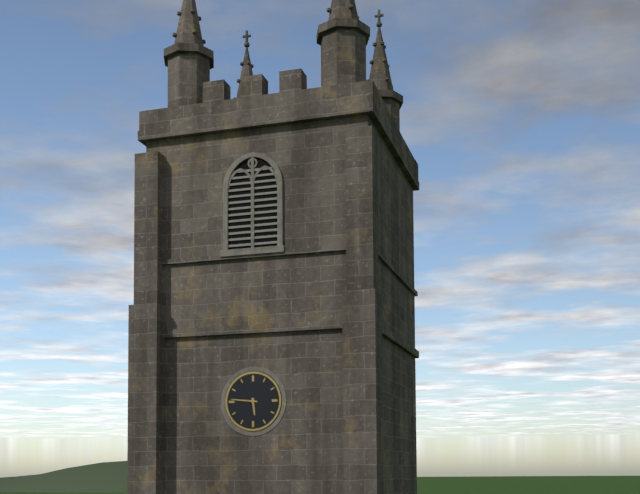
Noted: **5:46**
